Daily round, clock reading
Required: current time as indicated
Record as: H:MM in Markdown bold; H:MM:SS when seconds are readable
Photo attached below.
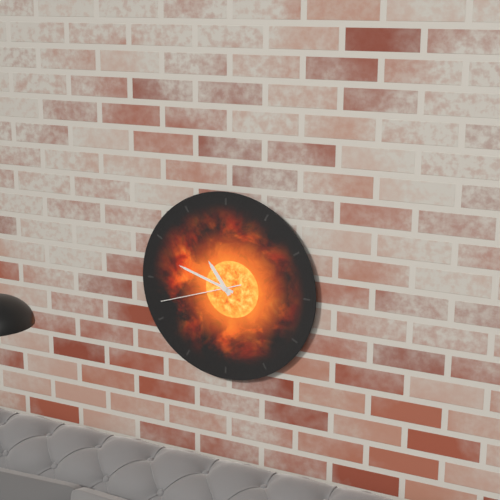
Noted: **10:48:42**
